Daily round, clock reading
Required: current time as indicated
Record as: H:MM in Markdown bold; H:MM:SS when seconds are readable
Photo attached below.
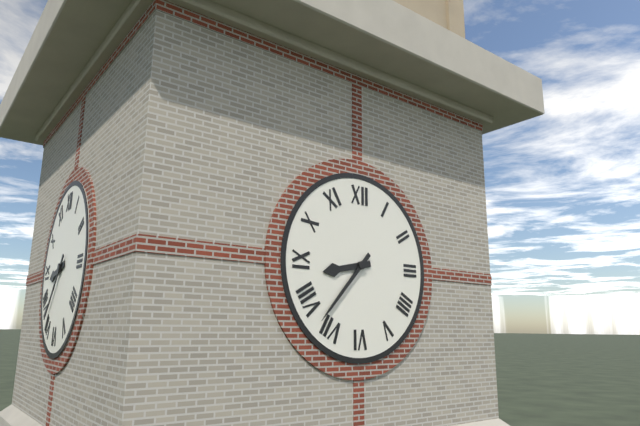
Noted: **8:37**
